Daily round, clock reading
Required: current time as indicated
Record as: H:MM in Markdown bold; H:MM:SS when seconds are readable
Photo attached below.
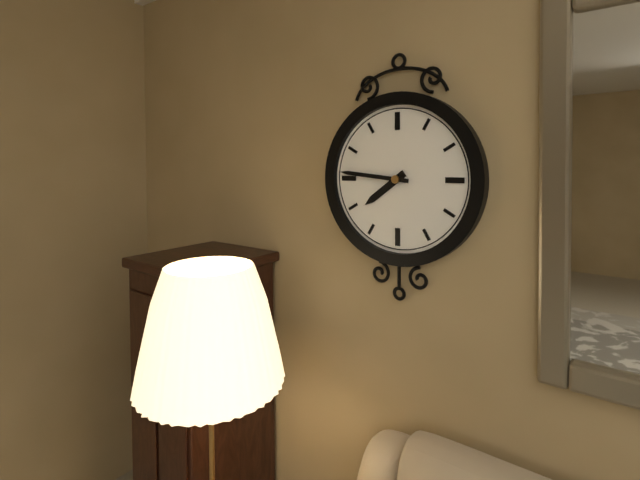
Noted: **7:46**
